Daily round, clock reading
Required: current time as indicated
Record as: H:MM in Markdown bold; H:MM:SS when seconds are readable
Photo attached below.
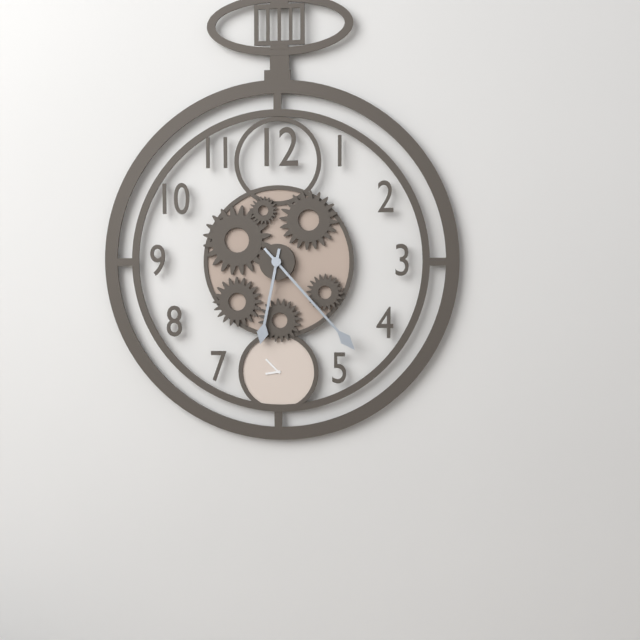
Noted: **6:23**
